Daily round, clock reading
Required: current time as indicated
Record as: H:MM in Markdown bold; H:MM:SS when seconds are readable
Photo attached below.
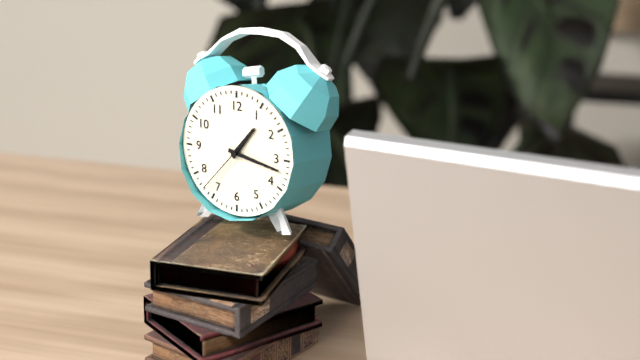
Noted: **1:17:37**
